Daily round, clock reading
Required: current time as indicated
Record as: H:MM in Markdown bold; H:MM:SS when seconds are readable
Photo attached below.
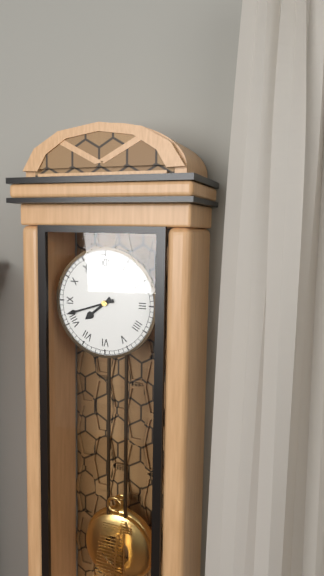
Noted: **7:42**
